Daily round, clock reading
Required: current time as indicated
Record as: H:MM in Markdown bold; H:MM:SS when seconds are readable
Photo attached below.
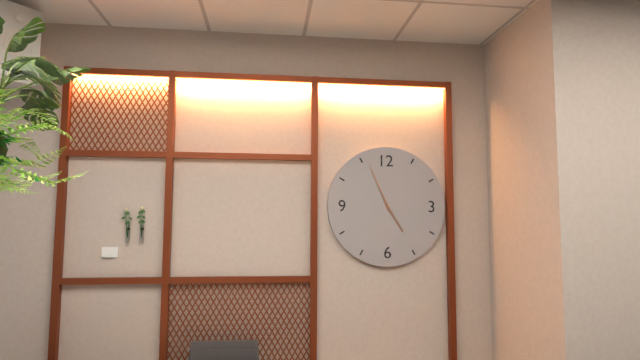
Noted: **4:56**
